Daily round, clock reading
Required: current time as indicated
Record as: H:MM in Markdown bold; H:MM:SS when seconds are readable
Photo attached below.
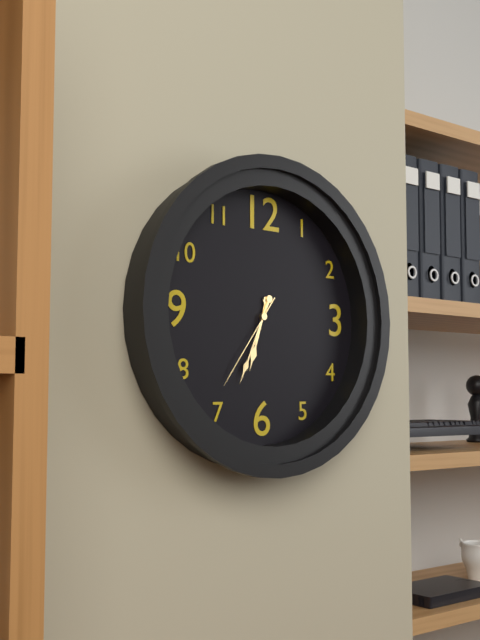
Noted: **6:34:36**
